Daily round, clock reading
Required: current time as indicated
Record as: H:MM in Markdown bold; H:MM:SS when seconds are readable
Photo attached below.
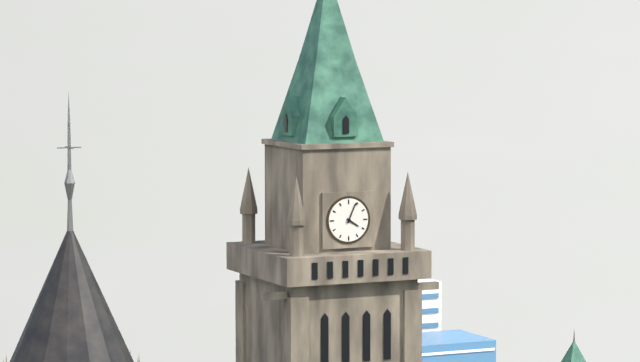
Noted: **4:04**
